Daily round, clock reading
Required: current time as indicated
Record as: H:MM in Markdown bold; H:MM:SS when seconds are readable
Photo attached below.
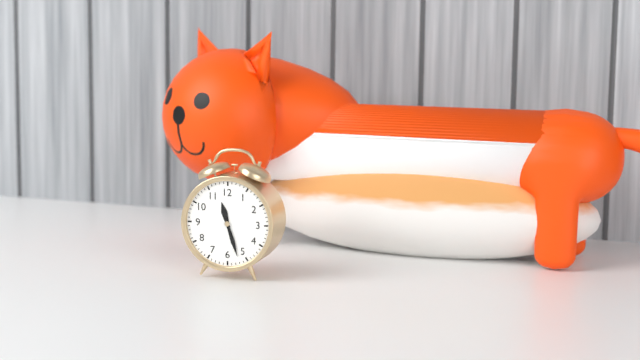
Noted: **11:27**
